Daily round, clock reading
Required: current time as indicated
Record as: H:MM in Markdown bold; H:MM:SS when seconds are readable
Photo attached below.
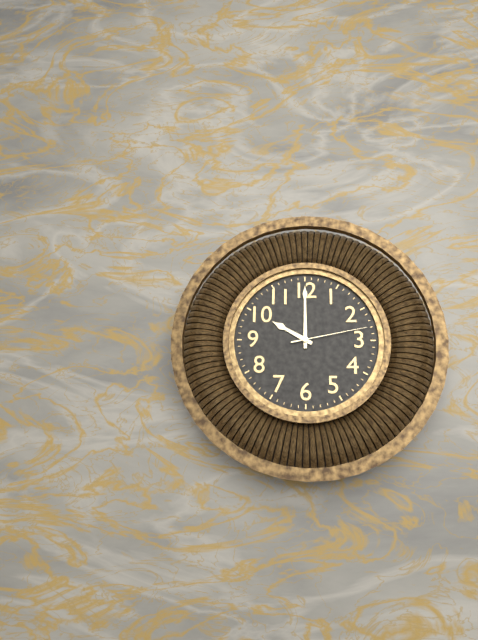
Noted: **10:00:13**
